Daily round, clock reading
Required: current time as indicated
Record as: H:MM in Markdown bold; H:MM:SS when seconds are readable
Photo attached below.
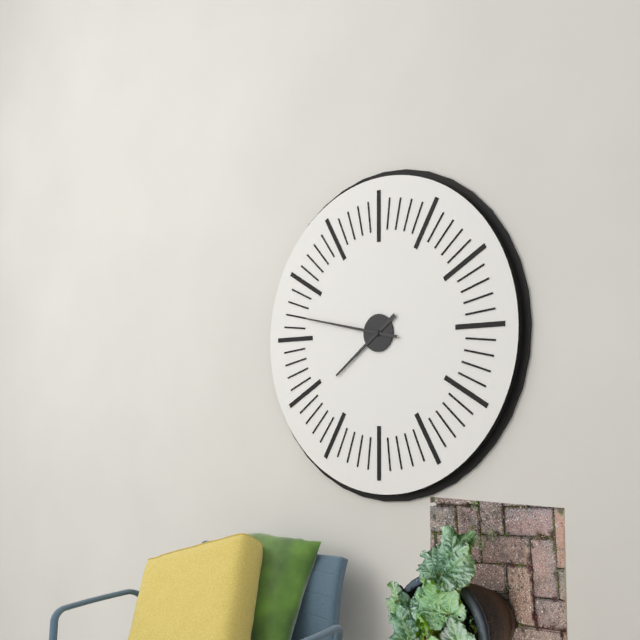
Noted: **7:47**
